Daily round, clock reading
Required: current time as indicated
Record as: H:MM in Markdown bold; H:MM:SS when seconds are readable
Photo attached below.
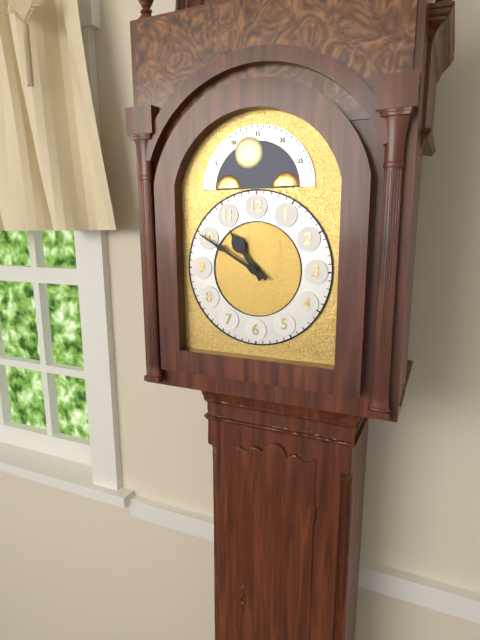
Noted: **10:50**
